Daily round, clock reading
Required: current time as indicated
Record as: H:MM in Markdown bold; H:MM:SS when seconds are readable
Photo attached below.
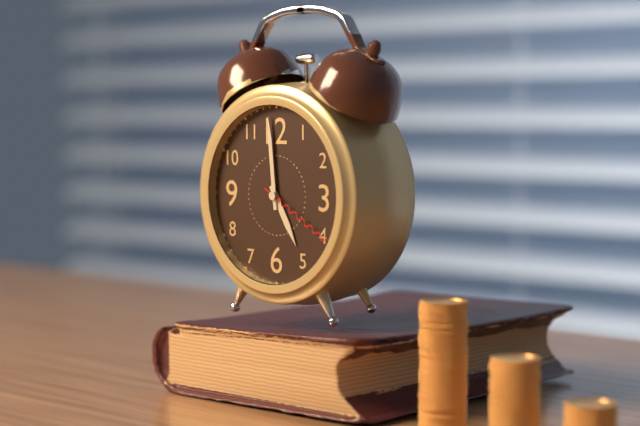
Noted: **4:59:20**
